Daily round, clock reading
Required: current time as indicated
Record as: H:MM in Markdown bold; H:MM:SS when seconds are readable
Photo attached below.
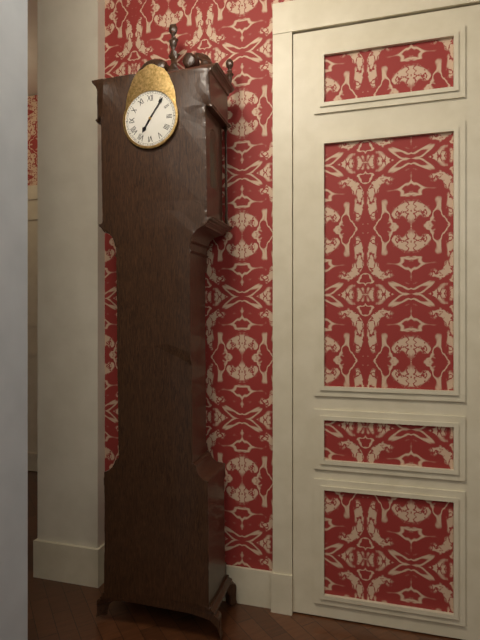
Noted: **7:06**
